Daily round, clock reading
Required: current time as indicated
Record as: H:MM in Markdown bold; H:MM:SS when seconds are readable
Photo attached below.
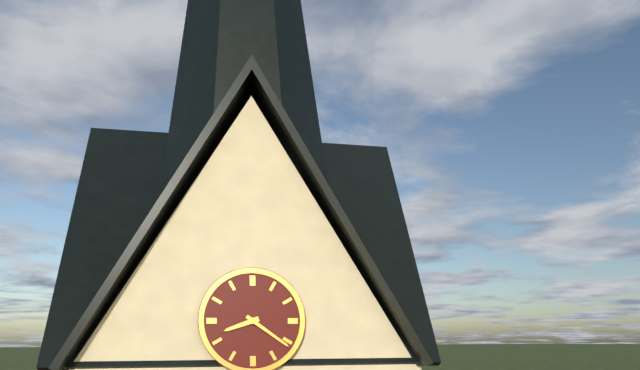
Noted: **8:21**
